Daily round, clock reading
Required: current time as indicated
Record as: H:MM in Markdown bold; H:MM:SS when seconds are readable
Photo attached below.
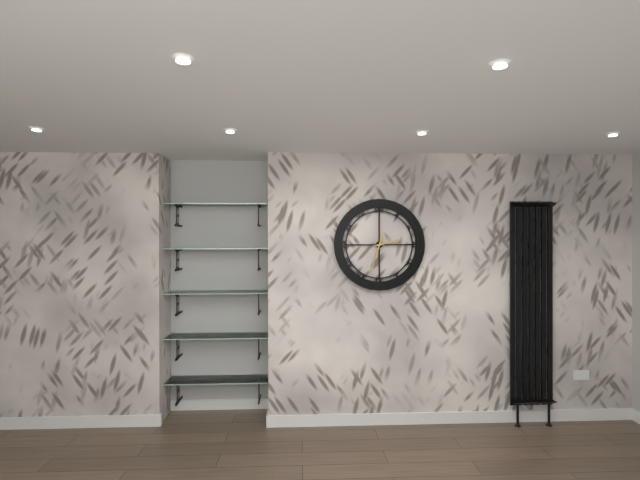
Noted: **2:33**
